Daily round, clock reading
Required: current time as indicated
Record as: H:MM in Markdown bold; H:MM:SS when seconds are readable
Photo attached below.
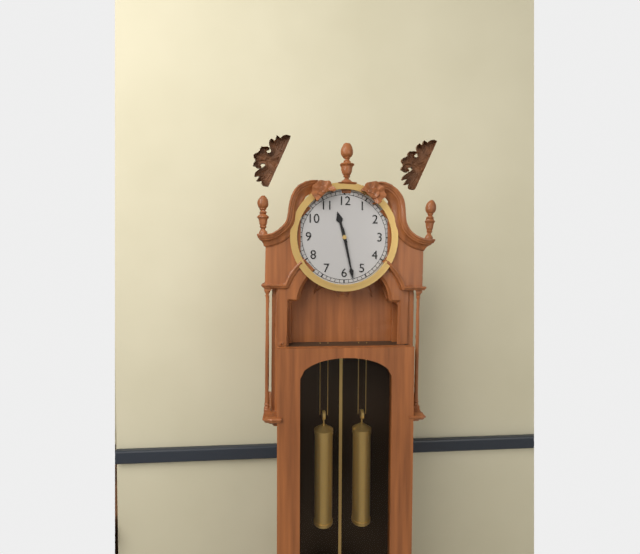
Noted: **11:28**
